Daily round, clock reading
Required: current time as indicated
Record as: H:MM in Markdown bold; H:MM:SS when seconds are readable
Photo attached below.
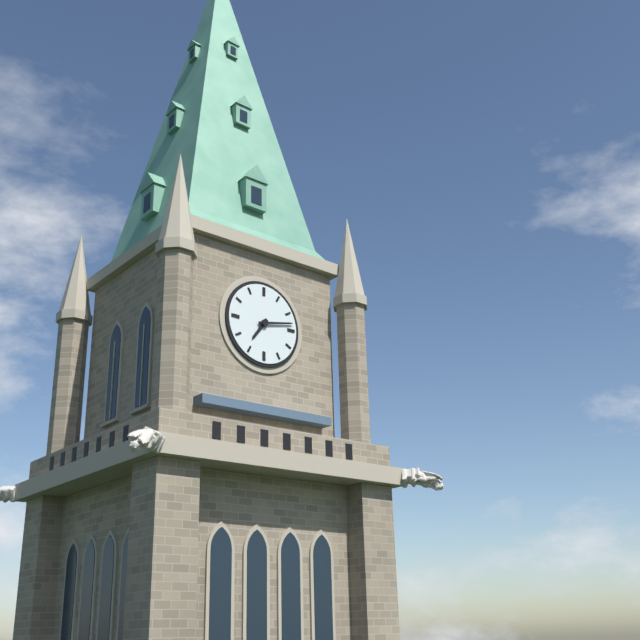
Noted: **7:13**
